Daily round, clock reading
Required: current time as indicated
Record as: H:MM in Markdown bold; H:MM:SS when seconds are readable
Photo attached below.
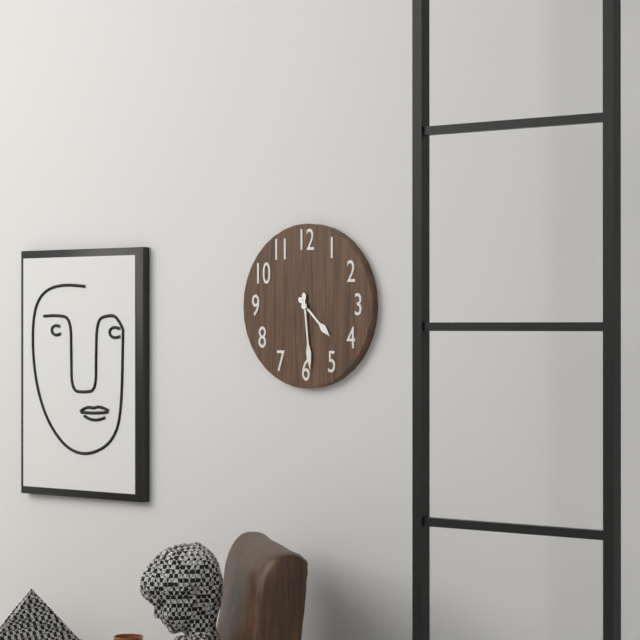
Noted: **4:29**
